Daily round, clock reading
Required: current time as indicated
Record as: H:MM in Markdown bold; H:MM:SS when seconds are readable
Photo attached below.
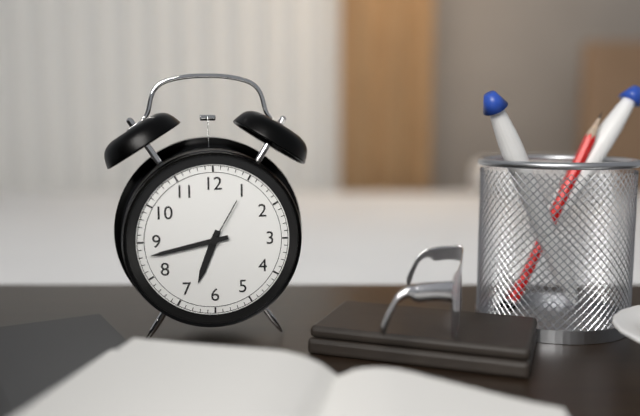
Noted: **6:43:05**
